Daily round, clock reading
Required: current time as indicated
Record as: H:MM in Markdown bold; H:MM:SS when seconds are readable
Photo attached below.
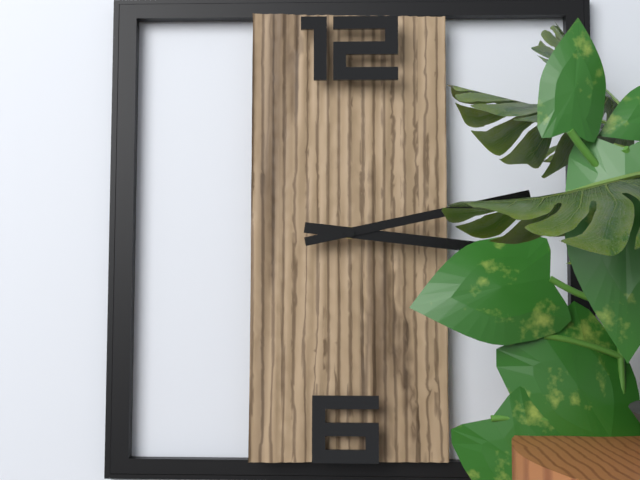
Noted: **3:13**
